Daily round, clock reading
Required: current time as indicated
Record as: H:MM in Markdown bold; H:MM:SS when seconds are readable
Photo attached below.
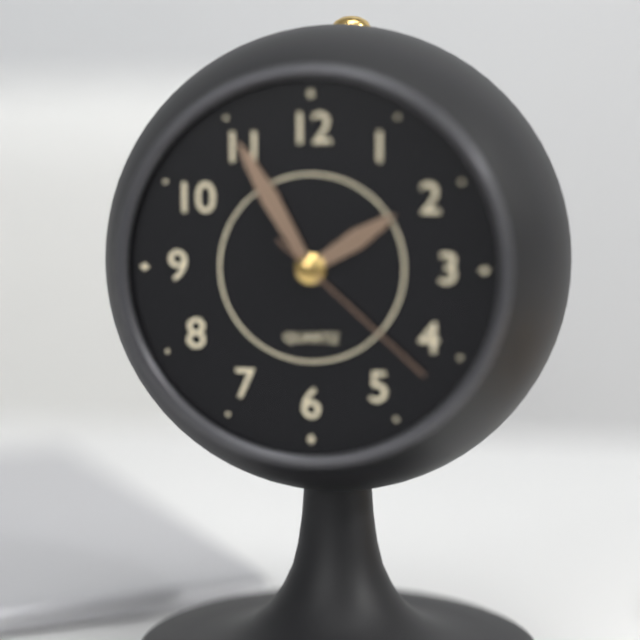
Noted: **1:55:22**
